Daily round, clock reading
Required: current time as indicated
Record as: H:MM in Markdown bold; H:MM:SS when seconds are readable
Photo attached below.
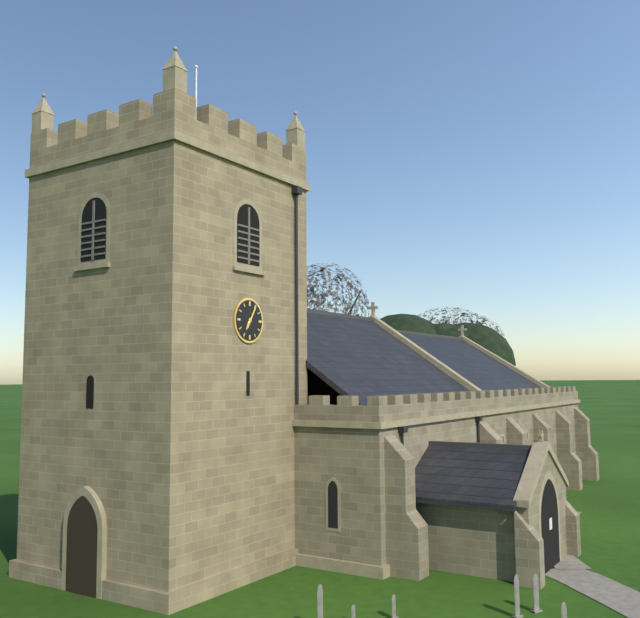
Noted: **7:05**
